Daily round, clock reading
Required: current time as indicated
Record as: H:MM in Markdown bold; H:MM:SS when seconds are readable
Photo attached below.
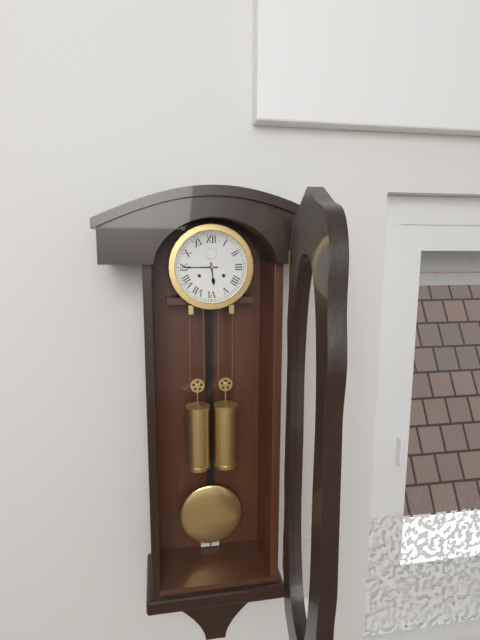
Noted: **5:45**
